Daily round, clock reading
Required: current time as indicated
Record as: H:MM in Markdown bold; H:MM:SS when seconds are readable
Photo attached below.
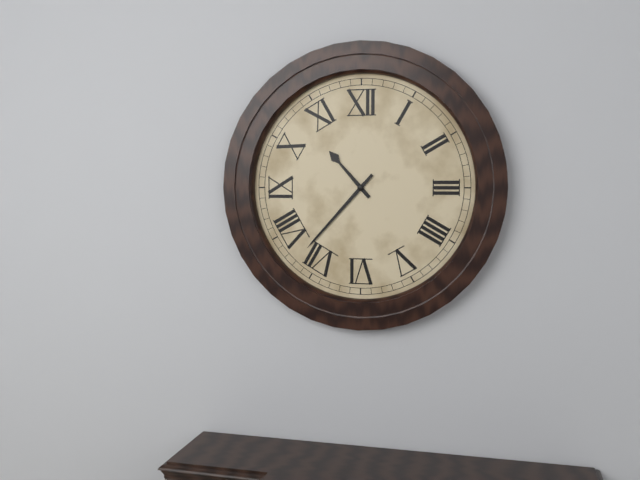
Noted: **10:37**
